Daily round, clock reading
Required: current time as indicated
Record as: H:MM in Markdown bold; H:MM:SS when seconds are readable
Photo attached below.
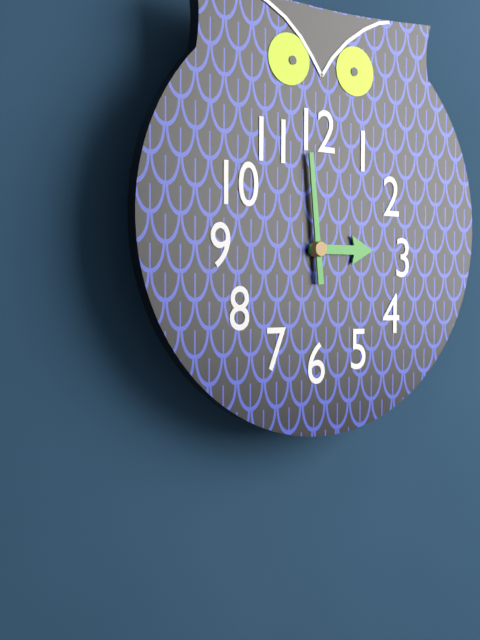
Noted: **2:59**
